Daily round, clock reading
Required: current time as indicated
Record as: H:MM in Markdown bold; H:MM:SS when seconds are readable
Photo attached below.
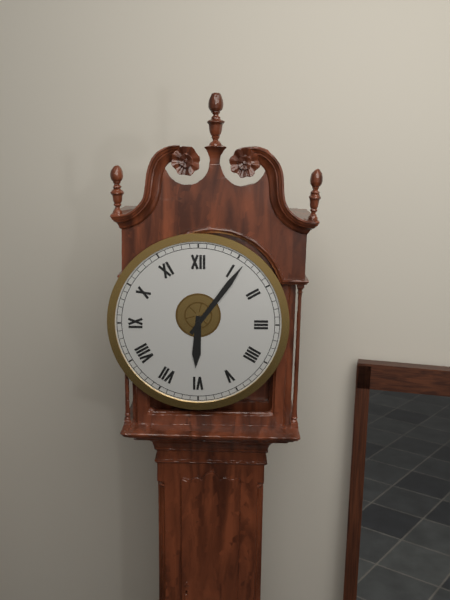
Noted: **6:06**
